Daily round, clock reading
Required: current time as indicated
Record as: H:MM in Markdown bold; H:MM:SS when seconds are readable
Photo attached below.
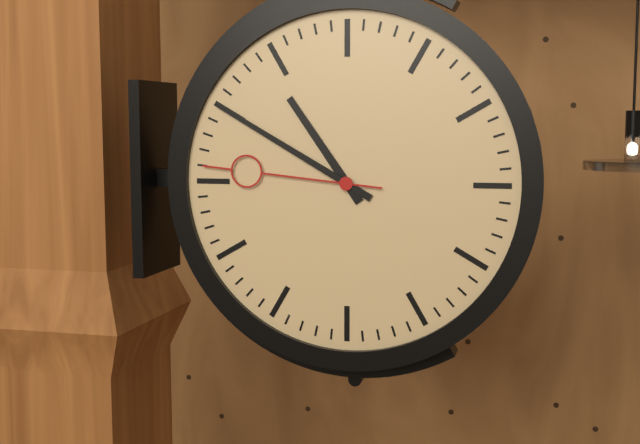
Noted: **10:50:46**
